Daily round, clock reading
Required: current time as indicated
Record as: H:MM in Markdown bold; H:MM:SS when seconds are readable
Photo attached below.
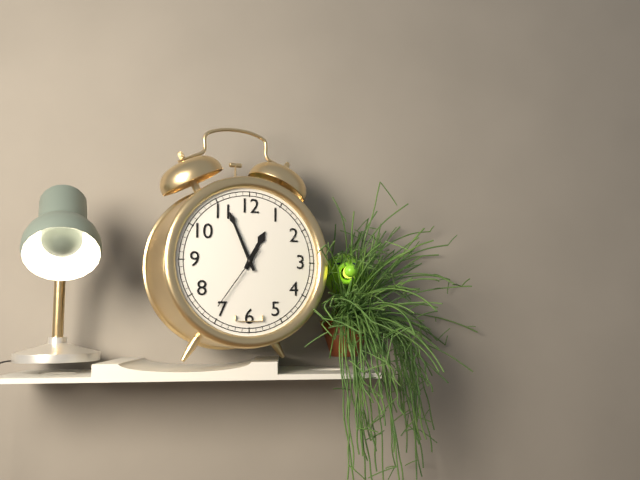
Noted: **12:56:36**
